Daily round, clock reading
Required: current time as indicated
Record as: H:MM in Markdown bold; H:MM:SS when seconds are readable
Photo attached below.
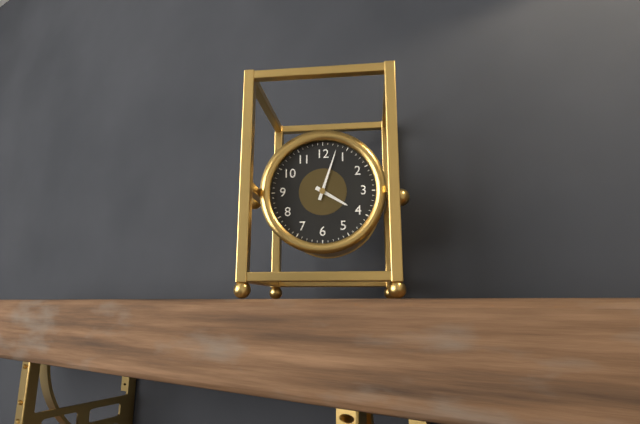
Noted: **4:03**
